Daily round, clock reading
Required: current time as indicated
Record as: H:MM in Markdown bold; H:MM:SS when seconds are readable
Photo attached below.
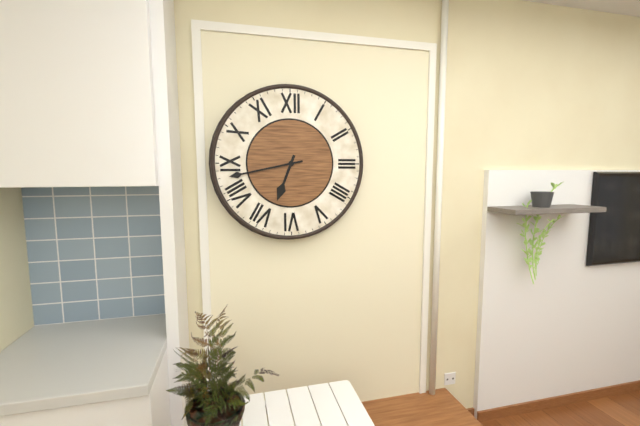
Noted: **6:43**
